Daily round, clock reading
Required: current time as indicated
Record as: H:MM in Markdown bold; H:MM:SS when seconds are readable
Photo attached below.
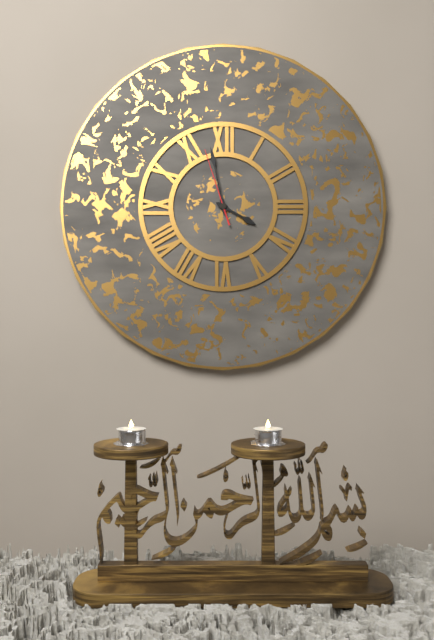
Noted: **3:58:57**
